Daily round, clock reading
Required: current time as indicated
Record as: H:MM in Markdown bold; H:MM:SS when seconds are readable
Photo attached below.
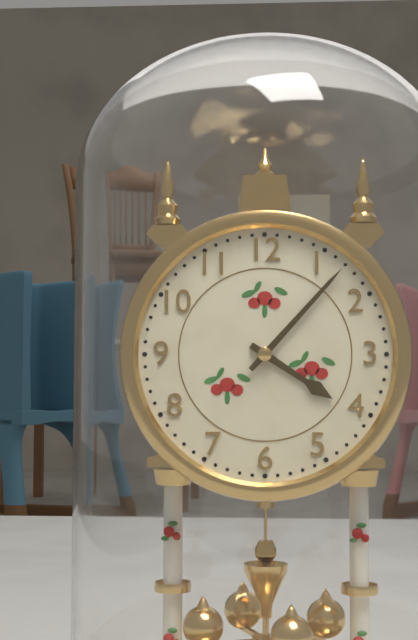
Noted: **4:07**
